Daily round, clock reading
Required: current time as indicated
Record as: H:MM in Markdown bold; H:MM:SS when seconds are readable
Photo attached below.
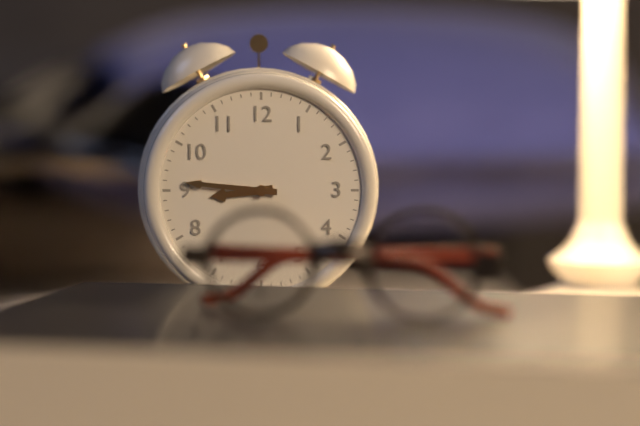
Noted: **8:46**
